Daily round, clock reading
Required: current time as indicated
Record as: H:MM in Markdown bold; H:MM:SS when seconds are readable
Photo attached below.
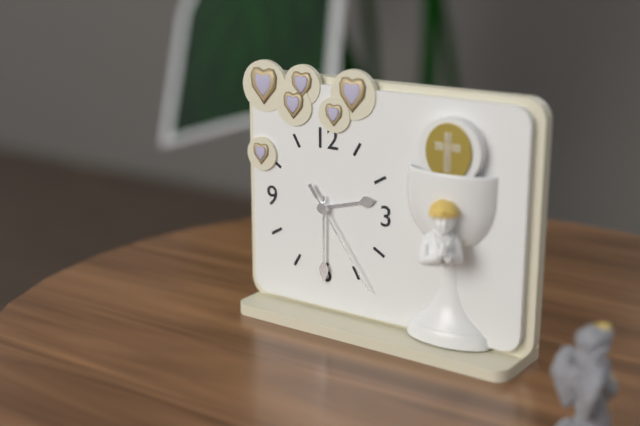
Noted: **2:30:24**
